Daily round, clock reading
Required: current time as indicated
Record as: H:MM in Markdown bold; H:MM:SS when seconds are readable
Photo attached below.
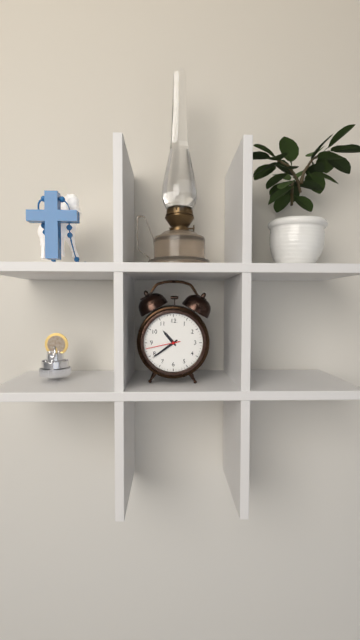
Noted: **10:39**
